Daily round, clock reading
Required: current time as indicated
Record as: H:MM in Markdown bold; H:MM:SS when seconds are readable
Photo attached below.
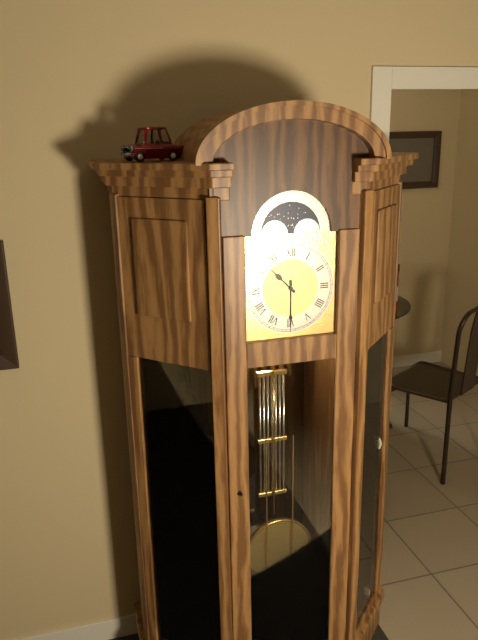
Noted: **10:30**
